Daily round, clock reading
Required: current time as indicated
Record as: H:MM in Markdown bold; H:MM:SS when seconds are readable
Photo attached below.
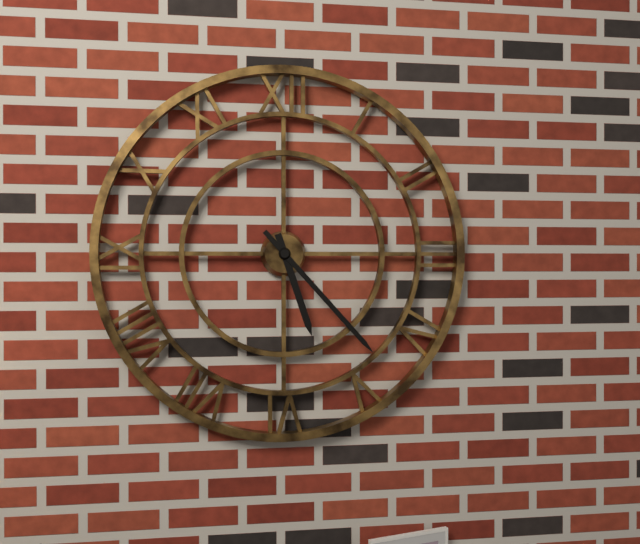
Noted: **5:23**
